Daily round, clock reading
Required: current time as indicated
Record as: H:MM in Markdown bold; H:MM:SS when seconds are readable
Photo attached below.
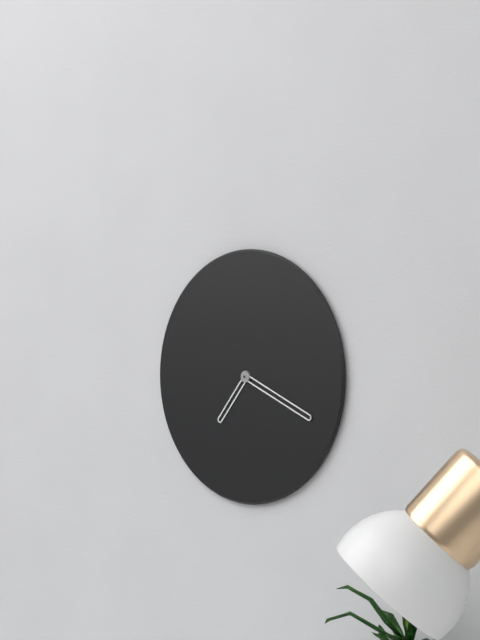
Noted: **7:19**
